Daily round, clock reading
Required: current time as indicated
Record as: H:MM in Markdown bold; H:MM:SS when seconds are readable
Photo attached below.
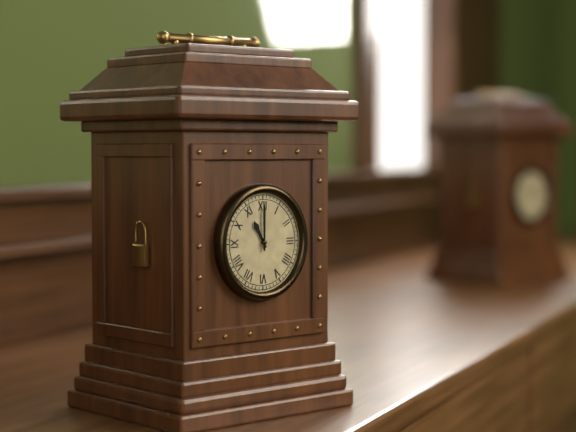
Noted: **11:00**
